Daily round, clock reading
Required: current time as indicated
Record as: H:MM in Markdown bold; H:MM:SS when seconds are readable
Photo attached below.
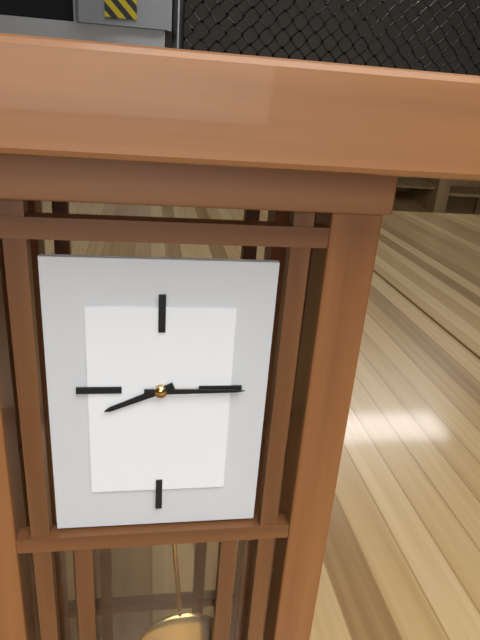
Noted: **8:15**
